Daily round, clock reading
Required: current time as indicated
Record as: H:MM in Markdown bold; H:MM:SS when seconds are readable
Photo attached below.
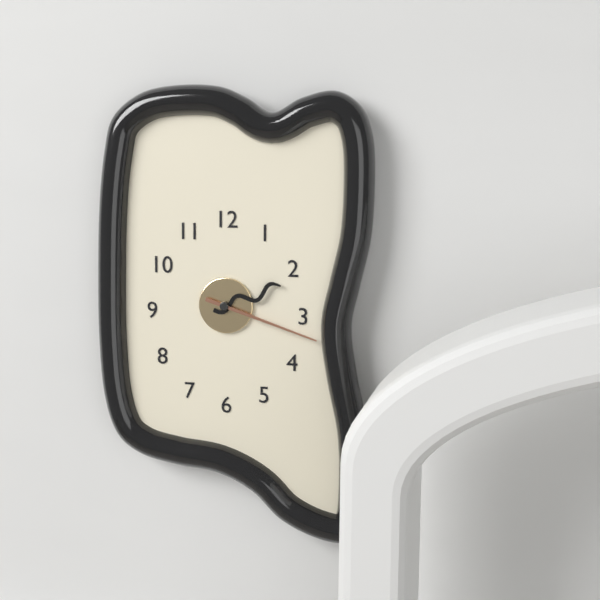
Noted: **2:18**
